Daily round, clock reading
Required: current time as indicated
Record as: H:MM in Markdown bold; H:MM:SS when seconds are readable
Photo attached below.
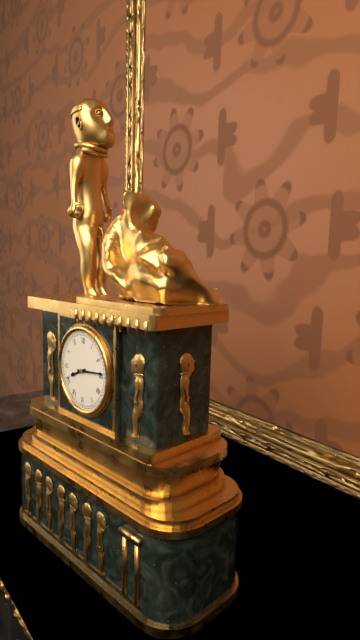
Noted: **8:14**
